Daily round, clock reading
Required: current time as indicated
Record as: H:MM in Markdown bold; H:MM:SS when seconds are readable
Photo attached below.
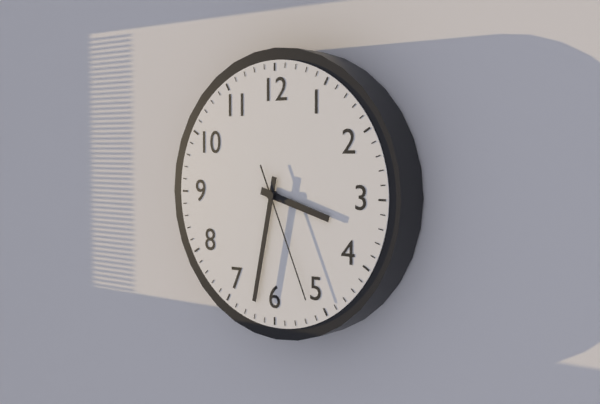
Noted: **3:32:26**
